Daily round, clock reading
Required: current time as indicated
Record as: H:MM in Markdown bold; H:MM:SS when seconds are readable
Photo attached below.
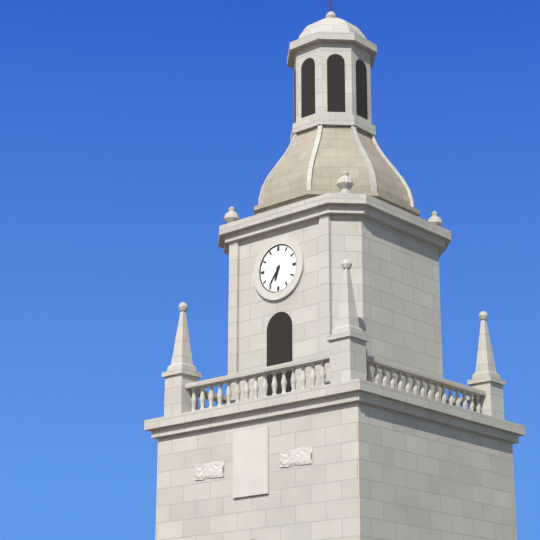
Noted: **6:36**
